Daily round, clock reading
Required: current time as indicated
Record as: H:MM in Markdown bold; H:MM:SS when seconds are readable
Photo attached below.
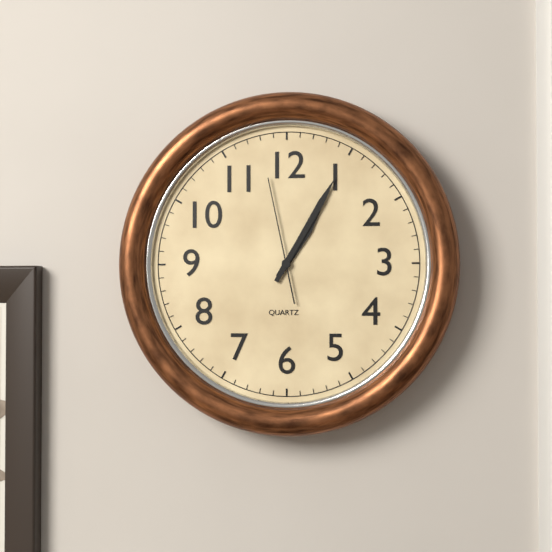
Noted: **1:05:58**
